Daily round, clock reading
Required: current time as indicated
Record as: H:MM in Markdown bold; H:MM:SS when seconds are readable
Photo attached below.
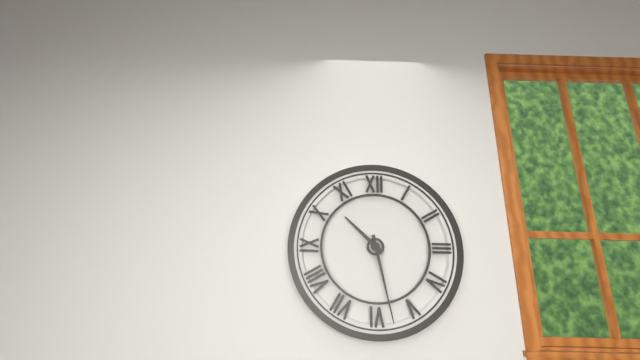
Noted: **10:28**
